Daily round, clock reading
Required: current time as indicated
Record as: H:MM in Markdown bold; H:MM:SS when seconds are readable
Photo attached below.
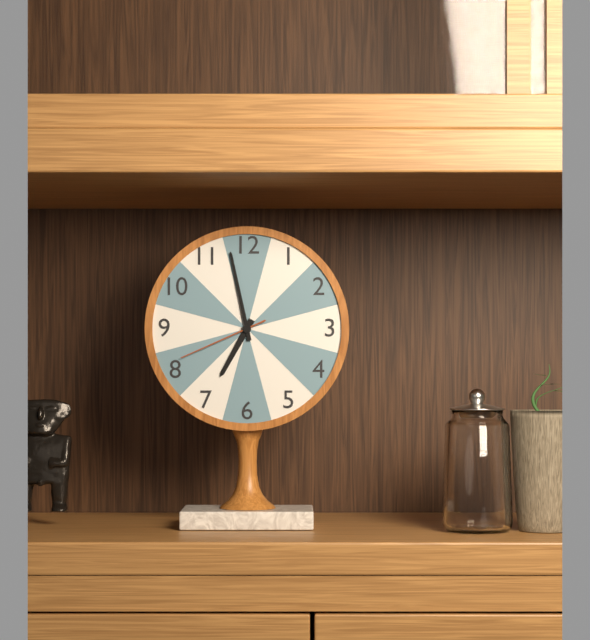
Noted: **6:58:41**
